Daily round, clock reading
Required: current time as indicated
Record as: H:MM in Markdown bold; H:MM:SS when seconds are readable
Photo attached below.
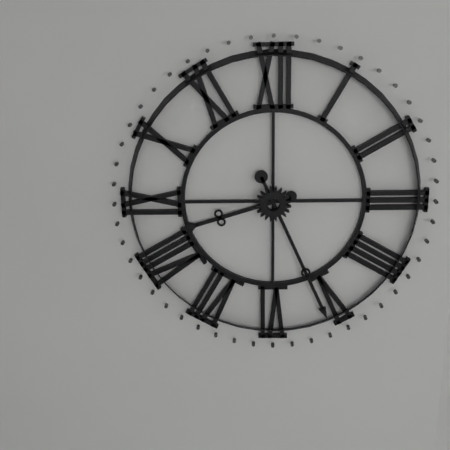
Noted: **8:26**
